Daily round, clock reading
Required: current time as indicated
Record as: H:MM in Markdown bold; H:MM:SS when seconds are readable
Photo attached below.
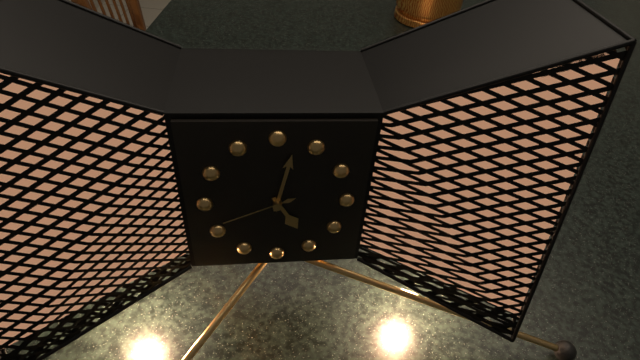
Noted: **5:02:41**
